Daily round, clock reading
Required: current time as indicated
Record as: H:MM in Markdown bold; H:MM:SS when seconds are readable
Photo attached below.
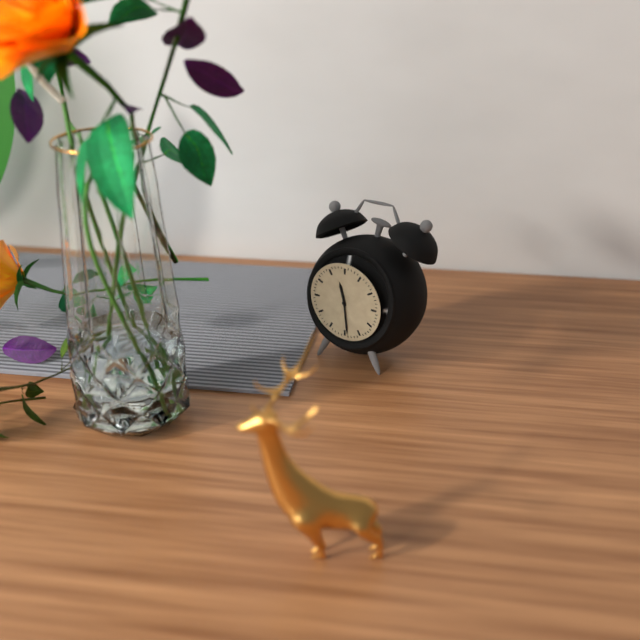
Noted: **11:29**
